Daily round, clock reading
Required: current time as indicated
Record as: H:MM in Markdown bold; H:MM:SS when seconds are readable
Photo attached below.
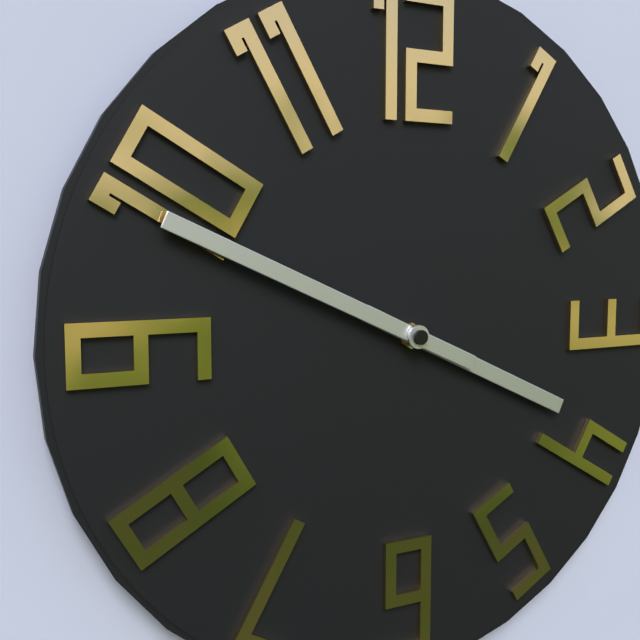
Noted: **3:49**
